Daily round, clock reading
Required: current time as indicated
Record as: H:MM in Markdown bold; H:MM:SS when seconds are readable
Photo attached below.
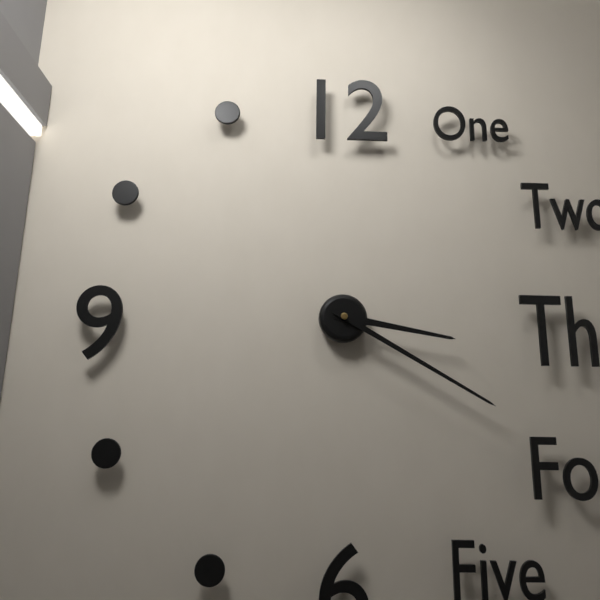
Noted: **3:20**
